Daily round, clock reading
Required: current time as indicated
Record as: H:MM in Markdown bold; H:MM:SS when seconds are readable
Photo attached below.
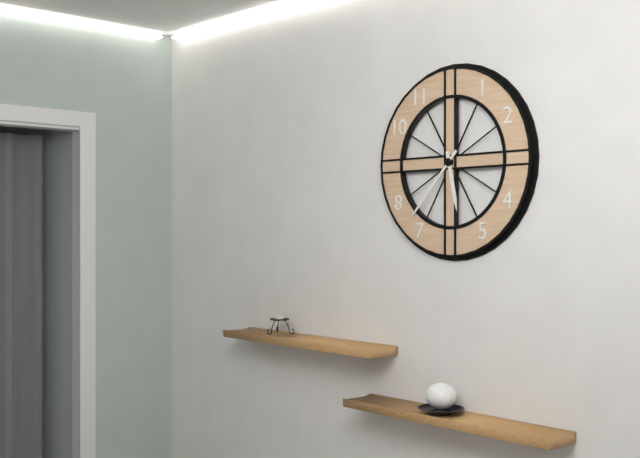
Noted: **5:37**
